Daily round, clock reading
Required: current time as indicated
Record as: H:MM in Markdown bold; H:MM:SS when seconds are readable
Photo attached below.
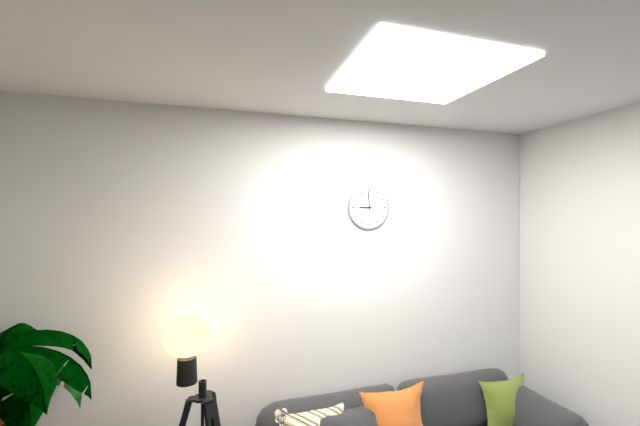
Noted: **8:59**
